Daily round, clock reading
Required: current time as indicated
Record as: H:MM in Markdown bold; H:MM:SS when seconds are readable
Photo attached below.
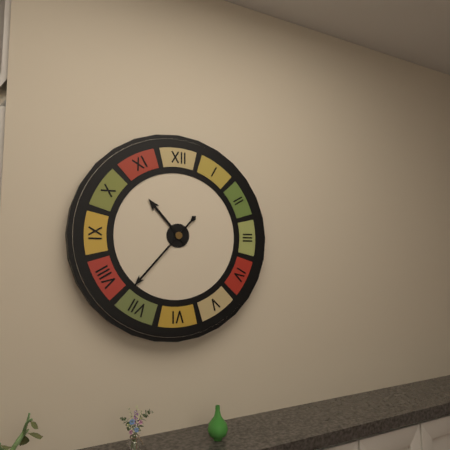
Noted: **10:37**
